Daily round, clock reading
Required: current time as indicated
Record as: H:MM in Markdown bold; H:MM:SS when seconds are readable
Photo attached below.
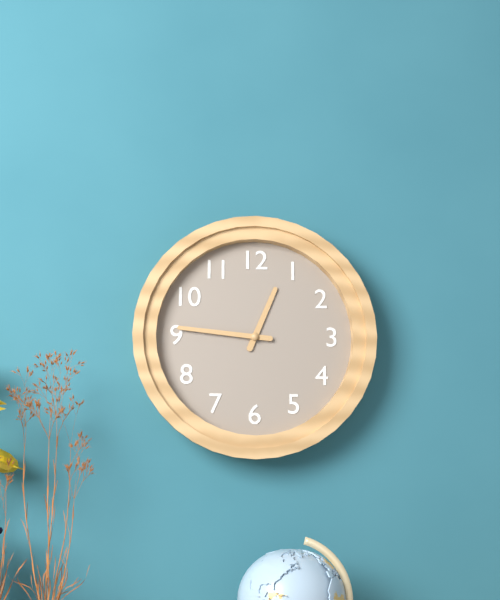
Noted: **12:46**
